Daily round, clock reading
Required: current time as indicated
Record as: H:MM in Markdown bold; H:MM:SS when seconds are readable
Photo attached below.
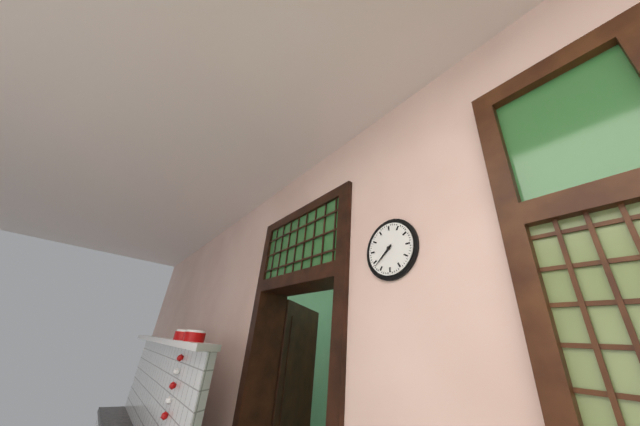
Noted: **7:38**
